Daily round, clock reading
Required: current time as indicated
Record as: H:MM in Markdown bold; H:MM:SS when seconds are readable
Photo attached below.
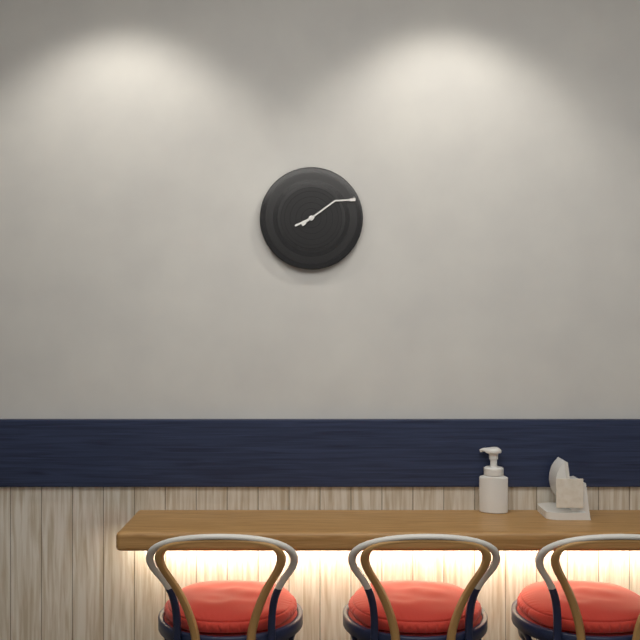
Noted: **8:09**
